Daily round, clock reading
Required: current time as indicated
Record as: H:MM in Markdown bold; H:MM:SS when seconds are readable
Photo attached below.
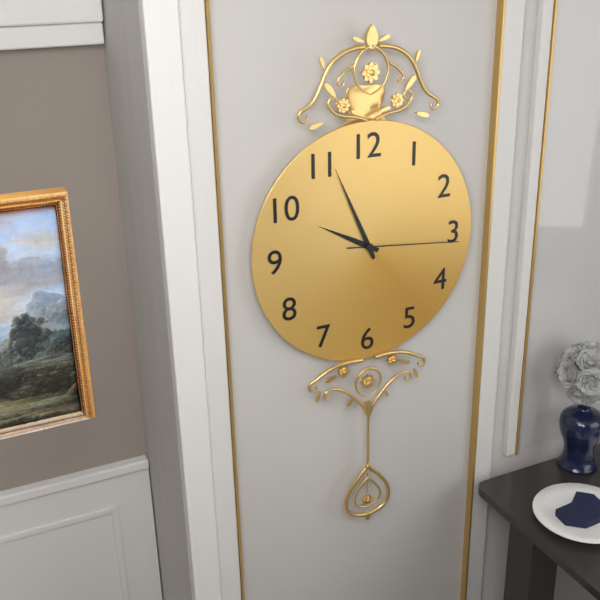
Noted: **9:56:16**
